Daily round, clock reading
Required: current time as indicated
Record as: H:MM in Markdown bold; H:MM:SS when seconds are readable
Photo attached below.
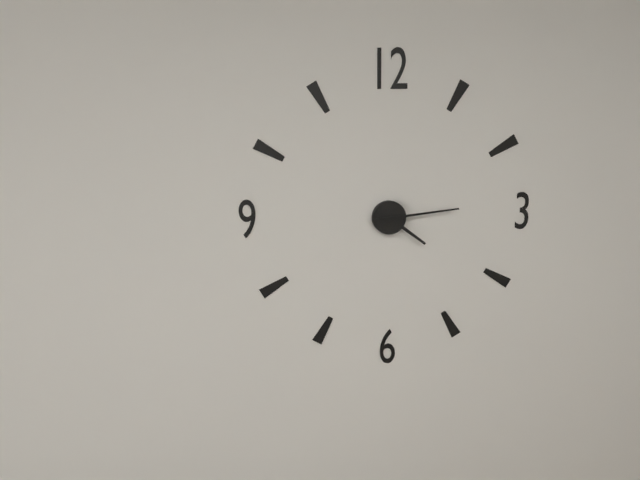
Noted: **4:14**
